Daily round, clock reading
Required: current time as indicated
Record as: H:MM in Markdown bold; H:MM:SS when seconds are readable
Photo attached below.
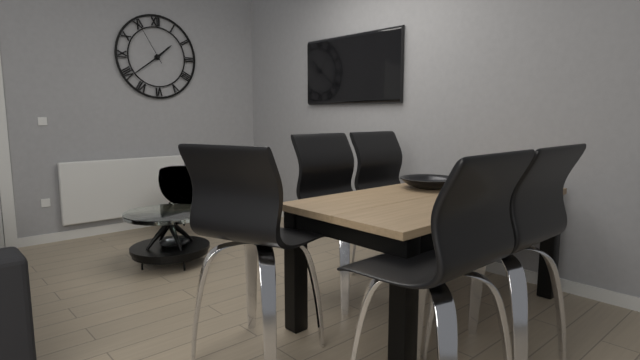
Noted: **1:39**
